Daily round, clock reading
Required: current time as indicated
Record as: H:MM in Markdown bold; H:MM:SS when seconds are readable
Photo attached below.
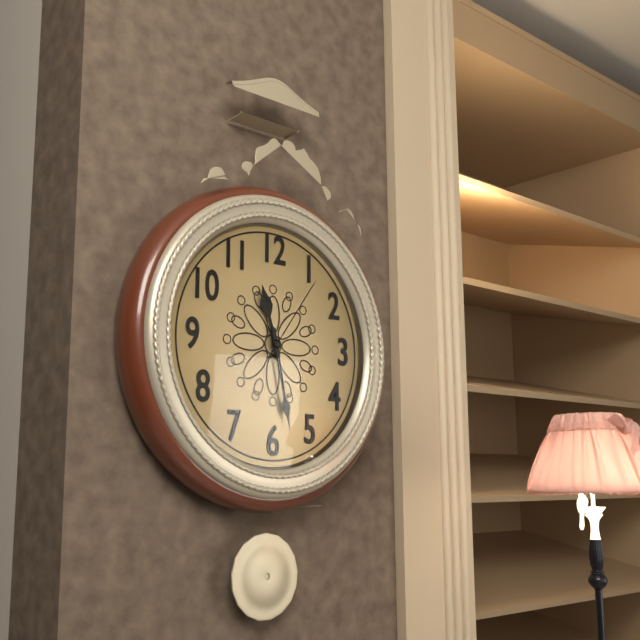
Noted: **11:28:06**
